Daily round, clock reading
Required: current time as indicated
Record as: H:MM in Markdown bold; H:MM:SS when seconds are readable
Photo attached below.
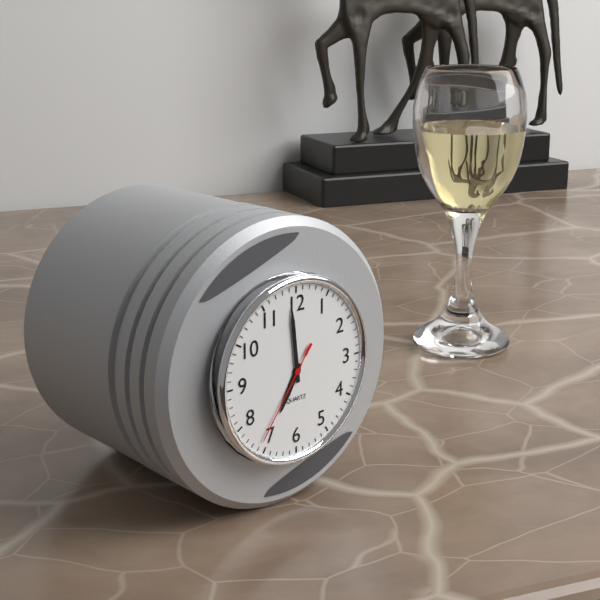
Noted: **6:59:36**
